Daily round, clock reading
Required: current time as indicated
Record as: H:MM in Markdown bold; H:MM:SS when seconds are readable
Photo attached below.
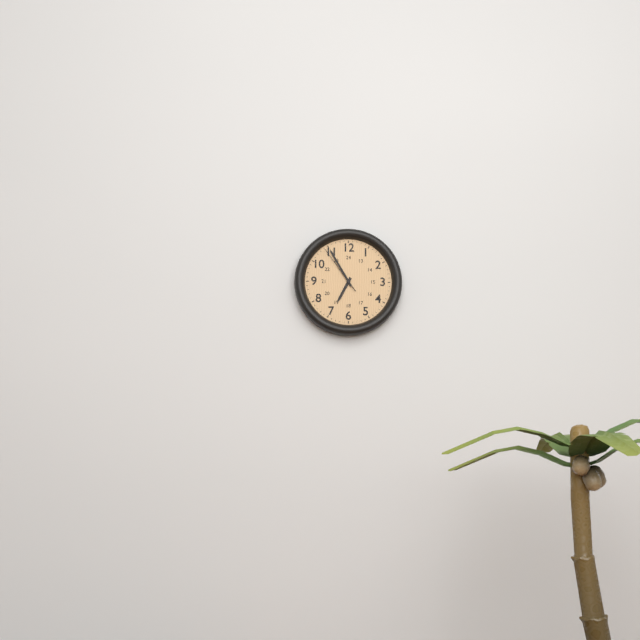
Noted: **6:55:54**
